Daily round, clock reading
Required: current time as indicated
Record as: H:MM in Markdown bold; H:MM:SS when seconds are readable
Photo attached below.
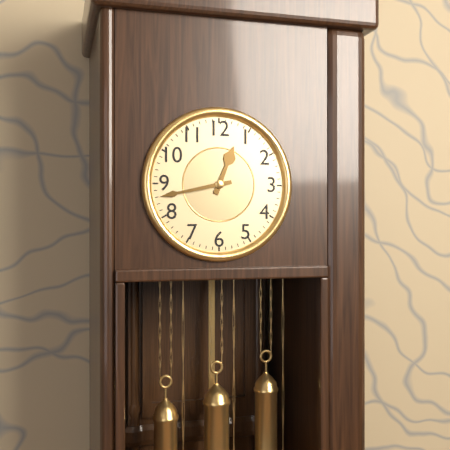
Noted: **12:43**
